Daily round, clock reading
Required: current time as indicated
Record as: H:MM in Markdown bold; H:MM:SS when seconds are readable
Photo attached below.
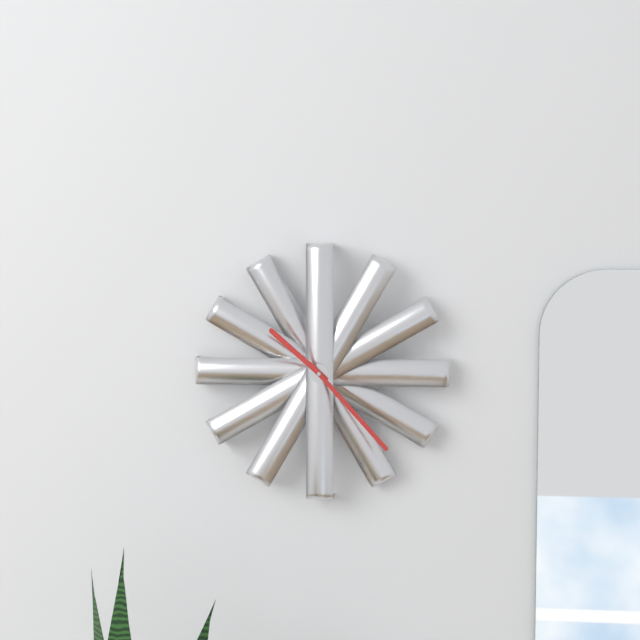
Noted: **10:23**
